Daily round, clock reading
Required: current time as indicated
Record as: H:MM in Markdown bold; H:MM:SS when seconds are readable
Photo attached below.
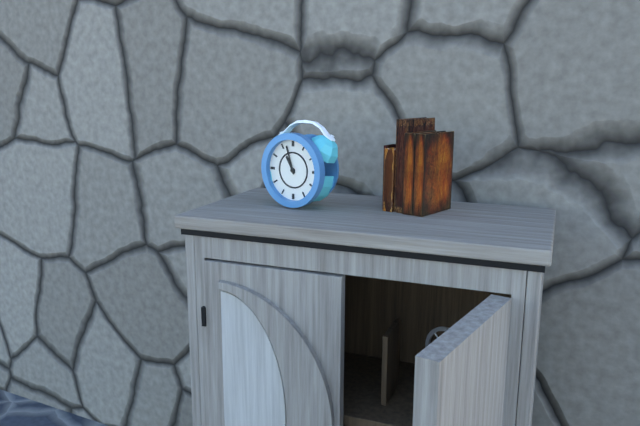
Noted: **10:57**
